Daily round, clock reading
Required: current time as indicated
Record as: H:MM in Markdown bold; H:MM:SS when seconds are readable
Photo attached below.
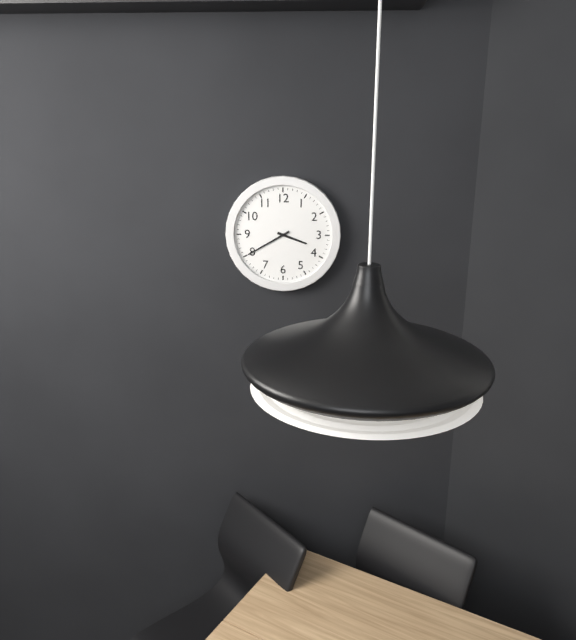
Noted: **3:40**
